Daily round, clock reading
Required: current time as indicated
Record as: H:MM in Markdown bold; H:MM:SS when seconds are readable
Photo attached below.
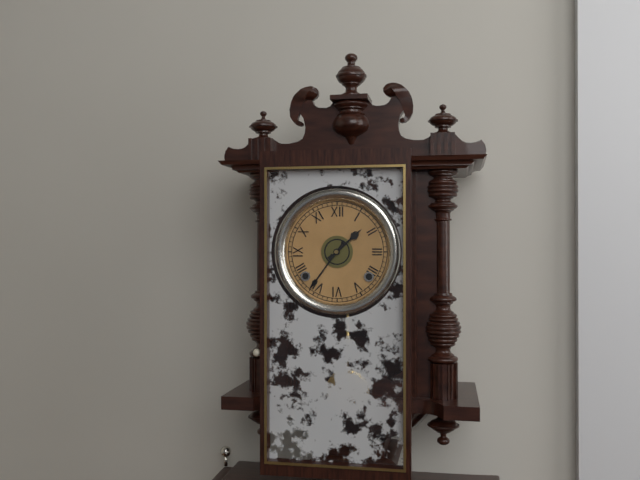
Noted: **1:36**
